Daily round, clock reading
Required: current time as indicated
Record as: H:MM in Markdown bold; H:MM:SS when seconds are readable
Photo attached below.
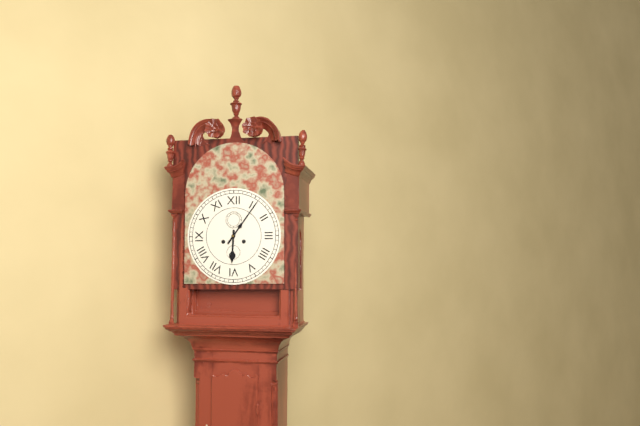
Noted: **6:06**
